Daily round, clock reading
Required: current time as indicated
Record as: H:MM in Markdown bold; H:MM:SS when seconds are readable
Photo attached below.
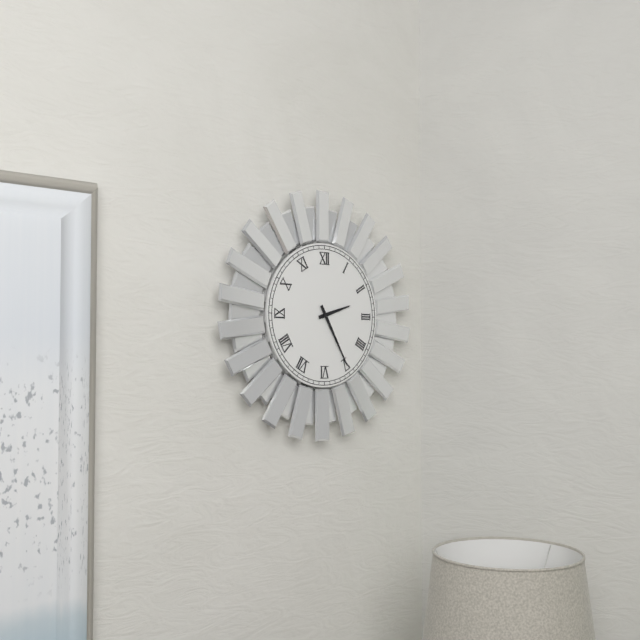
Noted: **2:25**
